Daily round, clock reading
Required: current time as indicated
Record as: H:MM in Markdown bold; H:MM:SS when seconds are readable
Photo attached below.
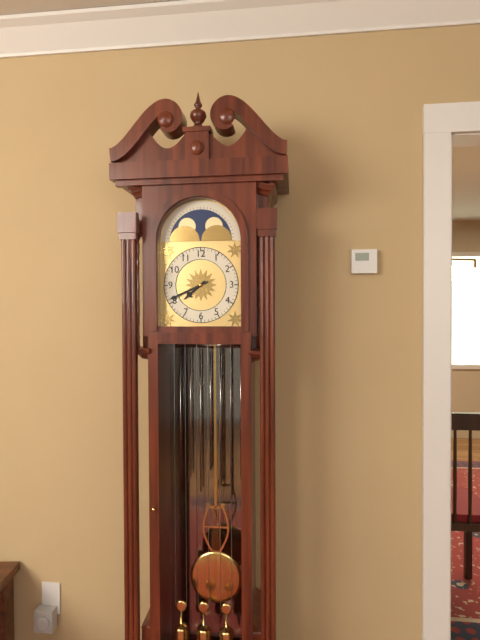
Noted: **7:41**
